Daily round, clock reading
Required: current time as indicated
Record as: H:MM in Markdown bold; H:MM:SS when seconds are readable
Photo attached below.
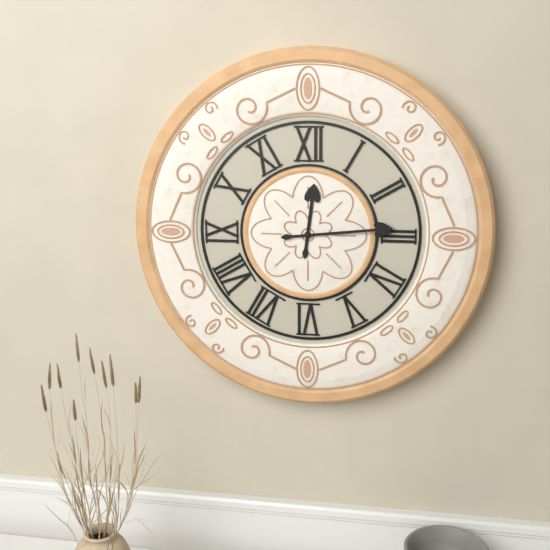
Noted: **12:14**
